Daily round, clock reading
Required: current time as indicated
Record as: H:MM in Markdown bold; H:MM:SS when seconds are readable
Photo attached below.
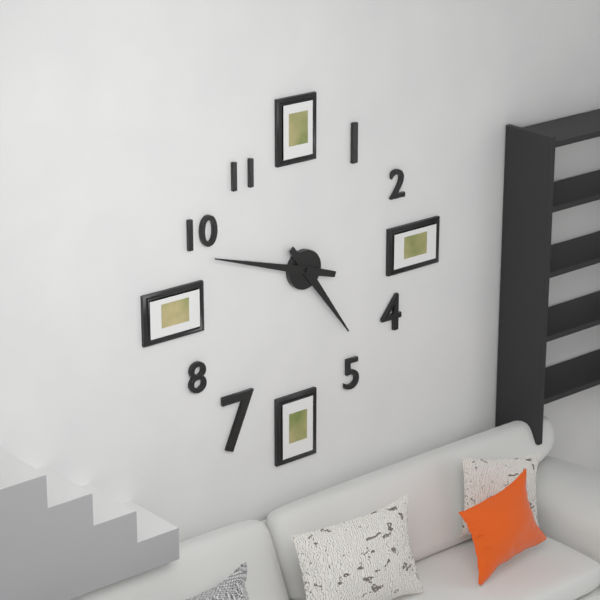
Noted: **4:48**
